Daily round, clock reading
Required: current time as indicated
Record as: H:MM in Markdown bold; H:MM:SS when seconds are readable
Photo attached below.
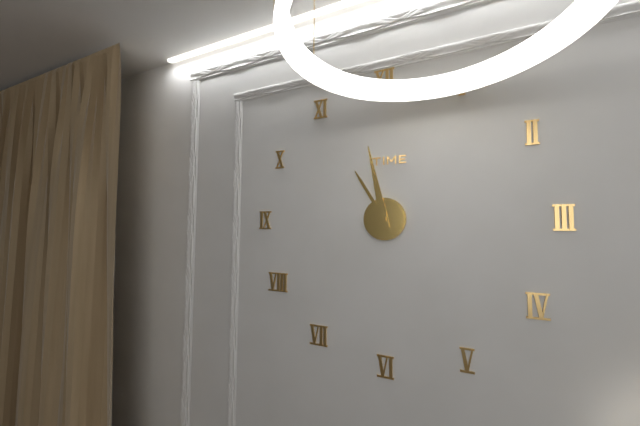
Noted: **10:58**
